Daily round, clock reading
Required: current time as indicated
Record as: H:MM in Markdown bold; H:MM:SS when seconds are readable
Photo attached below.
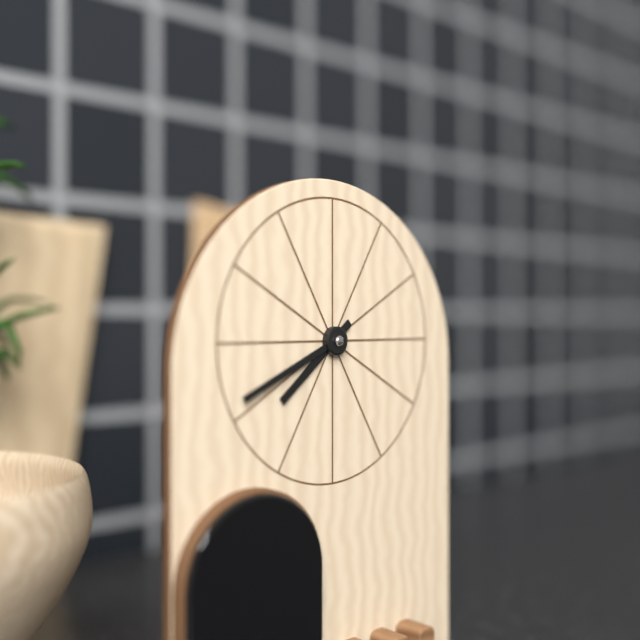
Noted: **7:41**
